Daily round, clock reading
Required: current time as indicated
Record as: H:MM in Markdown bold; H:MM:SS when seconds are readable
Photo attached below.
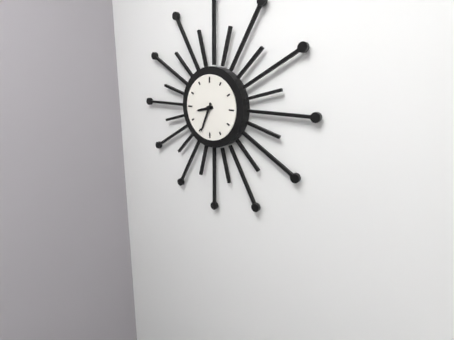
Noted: **8:34**
